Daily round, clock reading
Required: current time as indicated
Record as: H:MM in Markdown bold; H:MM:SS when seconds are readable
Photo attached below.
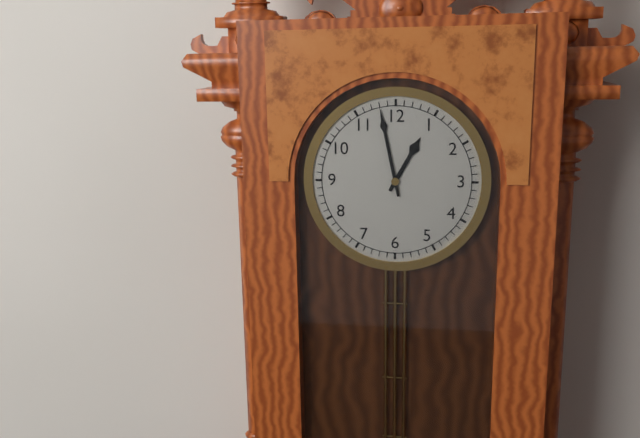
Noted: **12:58**
